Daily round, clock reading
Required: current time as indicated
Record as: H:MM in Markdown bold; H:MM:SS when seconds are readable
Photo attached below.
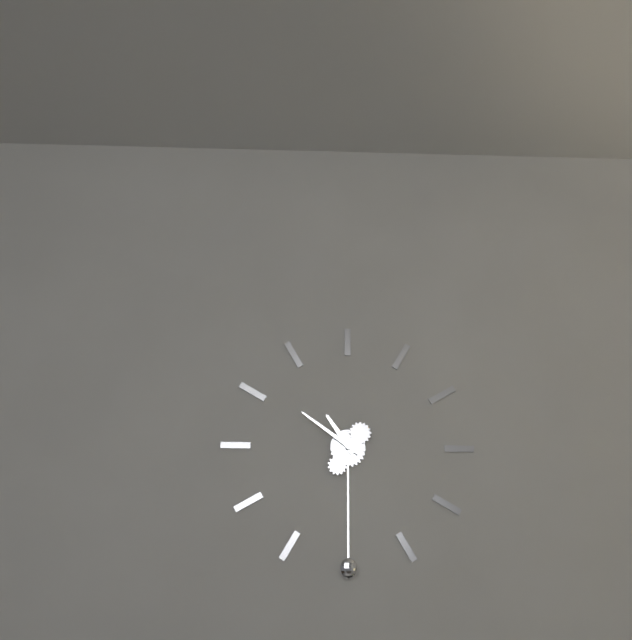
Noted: **10:51**
